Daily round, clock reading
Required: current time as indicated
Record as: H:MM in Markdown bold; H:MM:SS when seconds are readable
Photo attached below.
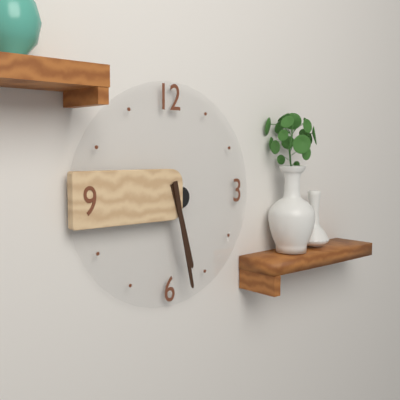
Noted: **5:28**
